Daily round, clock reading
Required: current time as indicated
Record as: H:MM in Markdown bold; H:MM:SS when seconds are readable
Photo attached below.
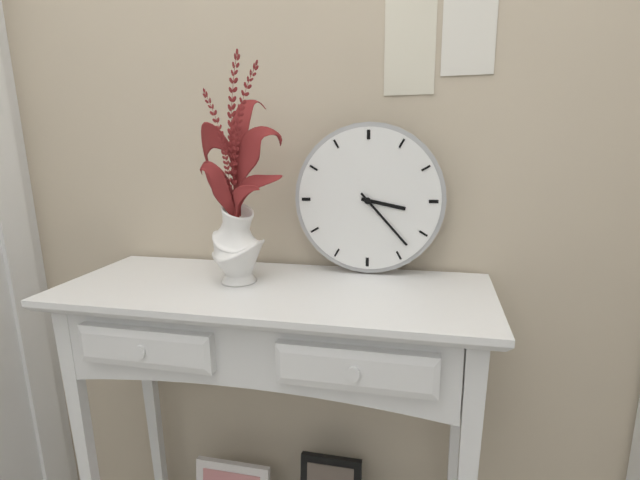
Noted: **3:23**
